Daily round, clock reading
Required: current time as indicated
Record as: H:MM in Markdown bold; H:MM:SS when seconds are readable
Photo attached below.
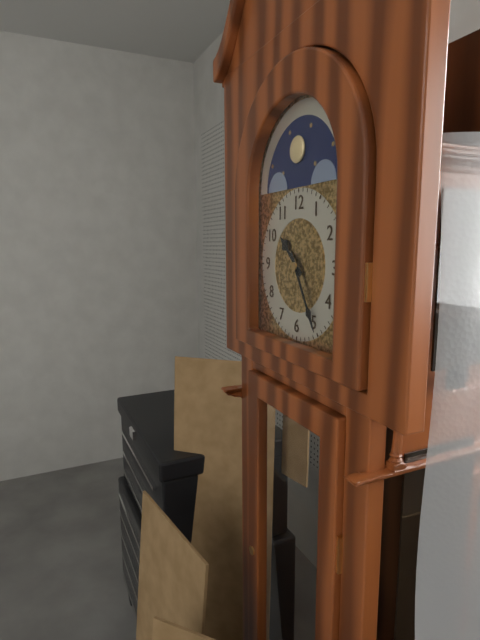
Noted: **10:25**
